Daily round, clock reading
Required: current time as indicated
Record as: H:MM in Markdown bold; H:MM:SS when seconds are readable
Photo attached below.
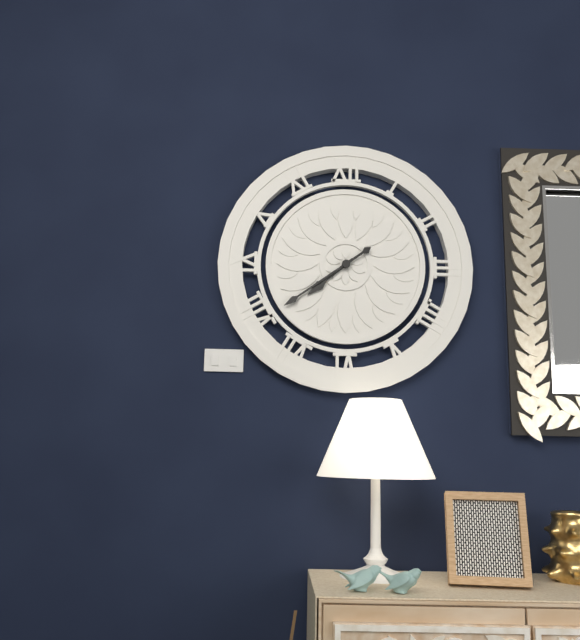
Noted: **7:39**
